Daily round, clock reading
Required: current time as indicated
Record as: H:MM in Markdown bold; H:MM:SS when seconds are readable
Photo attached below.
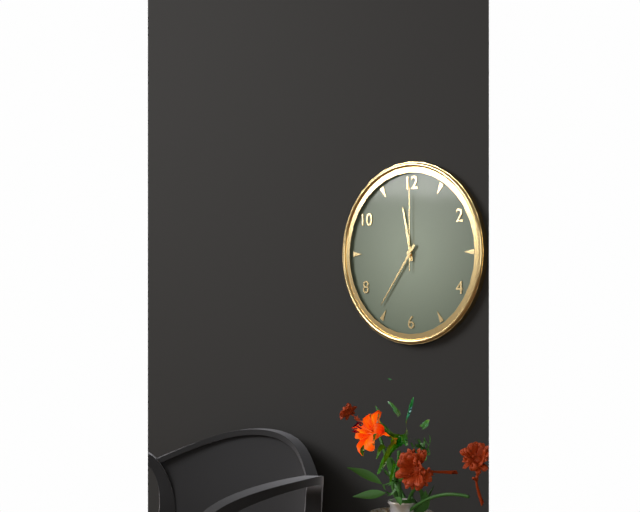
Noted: **11:36:00**
